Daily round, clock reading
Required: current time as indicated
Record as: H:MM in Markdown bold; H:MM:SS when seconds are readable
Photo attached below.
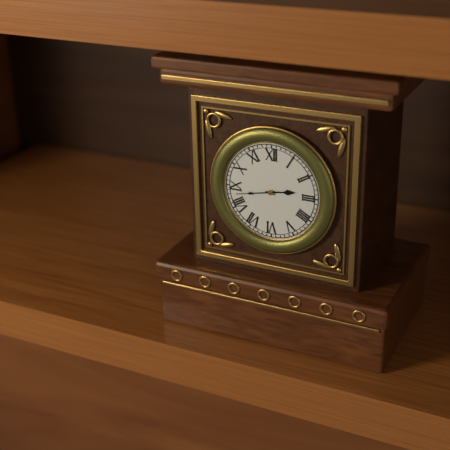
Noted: **2:43**
